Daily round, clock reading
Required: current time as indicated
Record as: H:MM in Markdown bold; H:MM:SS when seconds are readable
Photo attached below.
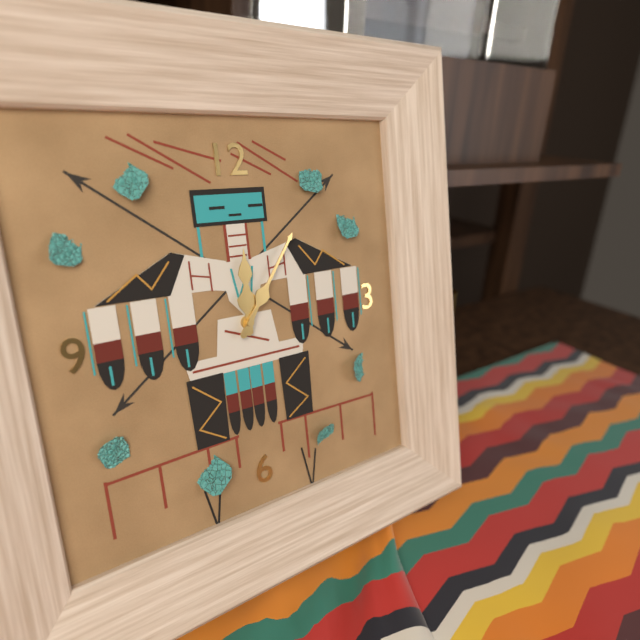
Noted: **12:06**
